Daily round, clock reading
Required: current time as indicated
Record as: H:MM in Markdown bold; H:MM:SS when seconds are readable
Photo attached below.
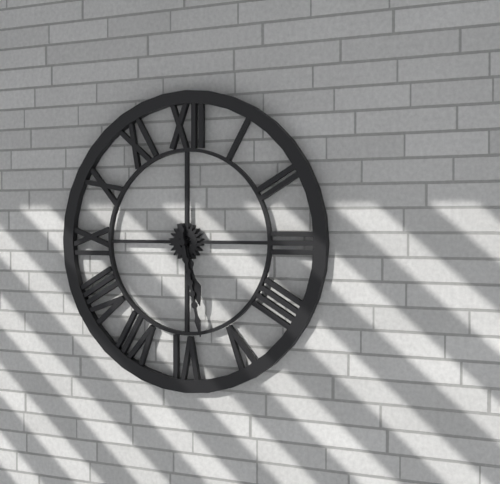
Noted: **5:28**
